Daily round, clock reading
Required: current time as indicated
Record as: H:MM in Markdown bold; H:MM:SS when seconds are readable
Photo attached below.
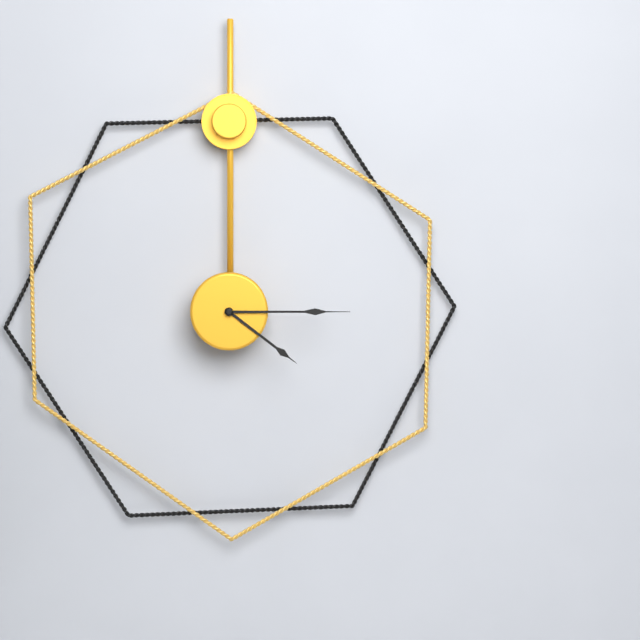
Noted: **4:15**
